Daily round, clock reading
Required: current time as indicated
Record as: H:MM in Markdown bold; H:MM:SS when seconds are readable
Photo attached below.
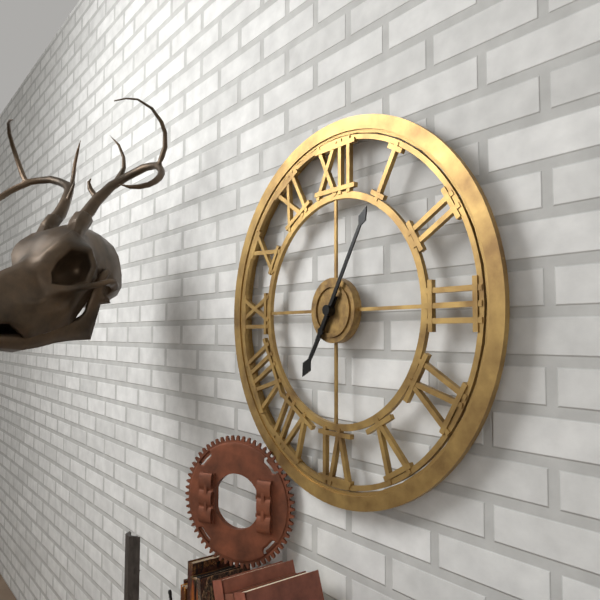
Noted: **7:05**
